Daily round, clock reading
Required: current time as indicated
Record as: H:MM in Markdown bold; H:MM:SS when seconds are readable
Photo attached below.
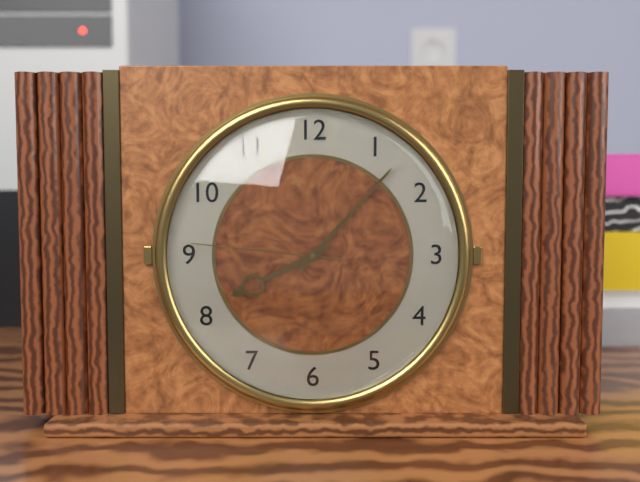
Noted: **8:07:46**
